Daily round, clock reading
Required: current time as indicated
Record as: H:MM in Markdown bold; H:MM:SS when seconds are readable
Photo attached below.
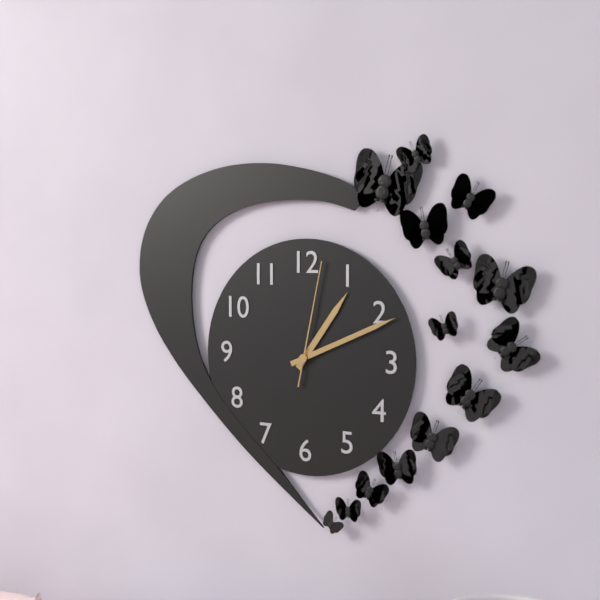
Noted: **1:11:02**
